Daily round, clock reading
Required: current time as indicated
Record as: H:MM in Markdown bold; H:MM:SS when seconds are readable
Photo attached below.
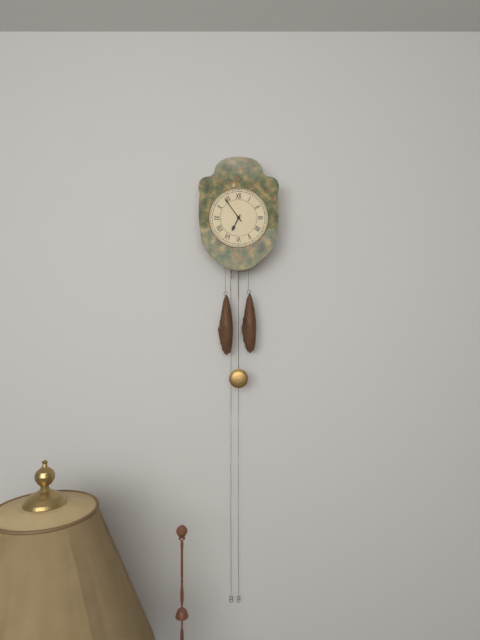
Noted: **6:54**
